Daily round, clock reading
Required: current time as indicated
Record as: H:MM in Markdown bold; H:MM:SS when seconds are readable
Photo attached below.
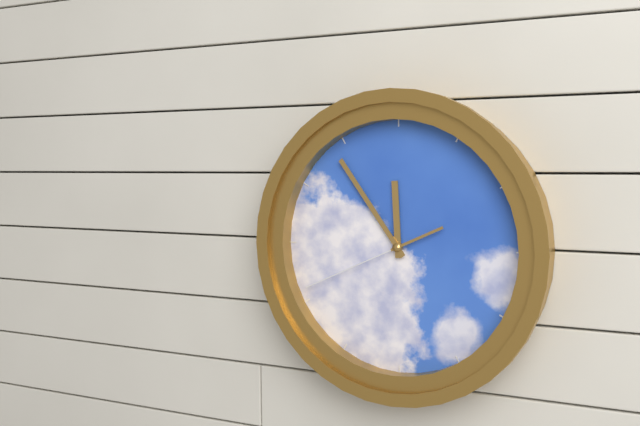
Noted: **11:54:41**
